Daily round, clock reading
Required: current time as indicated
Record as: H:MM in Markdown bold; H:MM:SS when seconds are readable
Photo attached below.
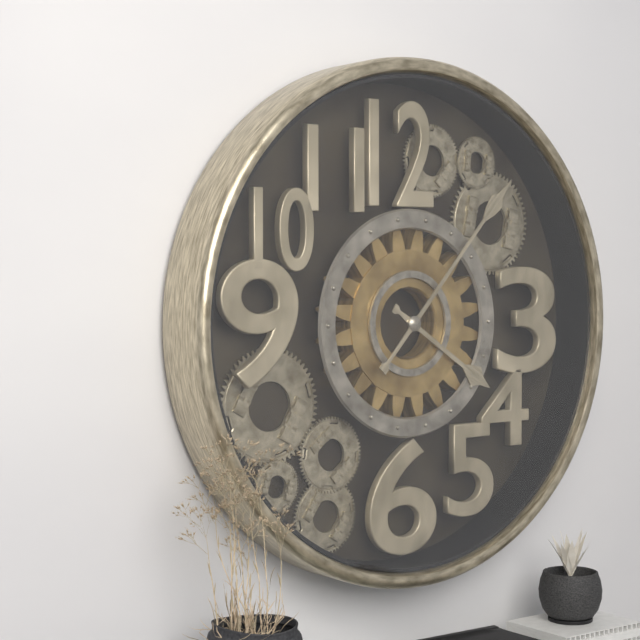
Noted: **4:07**
